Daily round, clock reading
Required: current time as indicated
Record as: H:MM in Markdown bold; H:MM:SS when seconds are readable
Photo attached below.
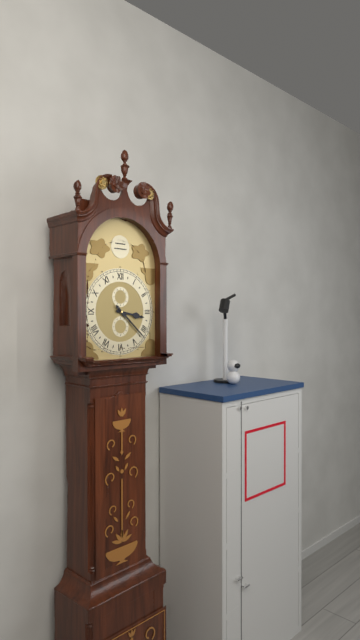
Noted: **3:22**
